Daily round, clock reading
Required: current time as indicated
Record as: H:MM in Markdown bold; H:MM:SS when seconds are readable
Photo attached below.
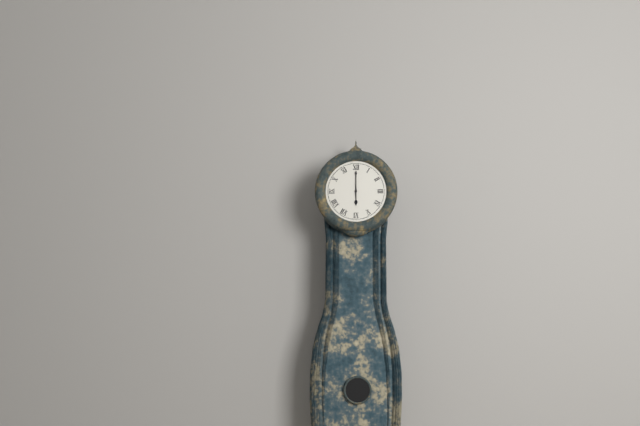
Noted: **6:00**
